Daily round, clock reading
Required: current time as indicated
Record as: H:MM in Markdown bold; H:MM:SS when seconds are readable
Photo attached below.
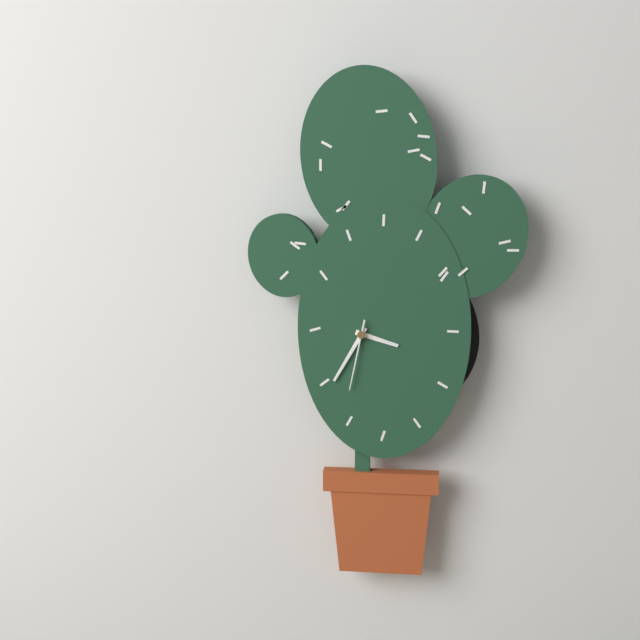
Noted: **3:35:32**
